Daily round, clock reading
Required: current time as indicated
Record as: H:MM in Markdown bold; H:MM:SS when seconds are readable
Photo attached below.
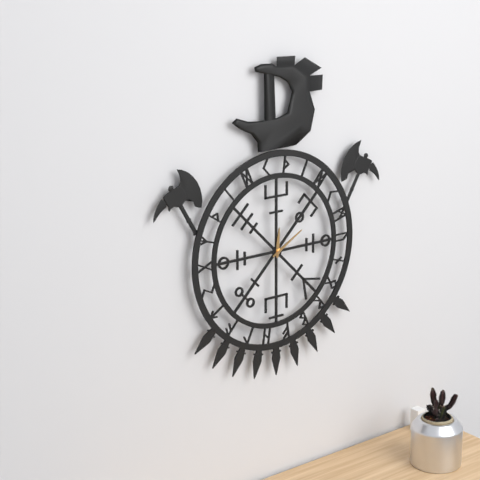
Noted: **12:10**
